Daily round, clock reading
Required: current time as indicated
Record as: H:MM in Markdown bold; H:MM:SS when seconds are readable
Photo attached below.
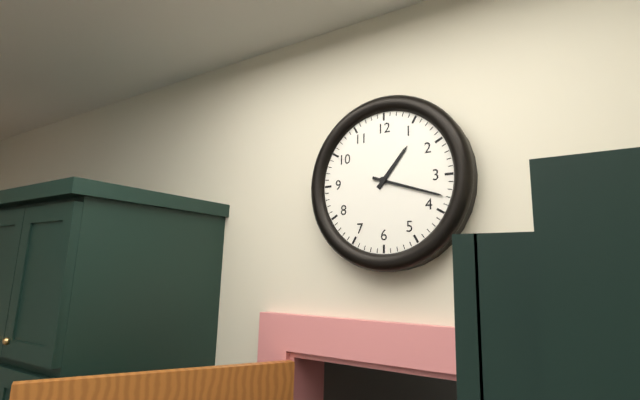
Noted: **1:18**
